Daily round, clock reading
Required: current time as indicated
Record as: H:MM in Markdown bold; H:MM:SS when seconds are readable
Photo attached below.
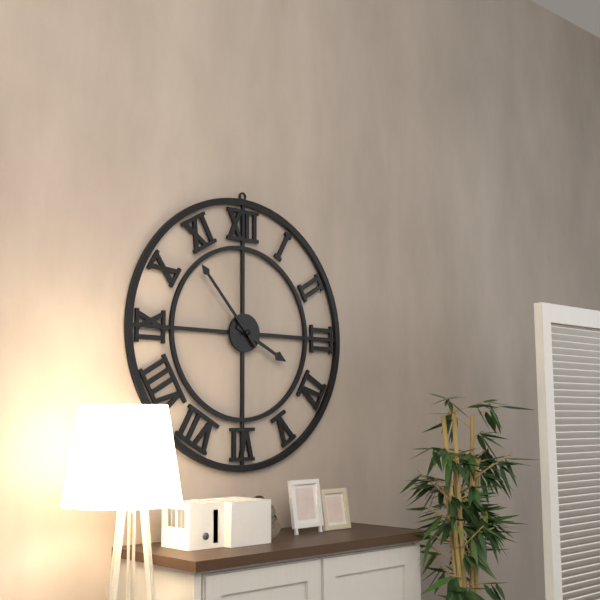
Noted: **3:53**
